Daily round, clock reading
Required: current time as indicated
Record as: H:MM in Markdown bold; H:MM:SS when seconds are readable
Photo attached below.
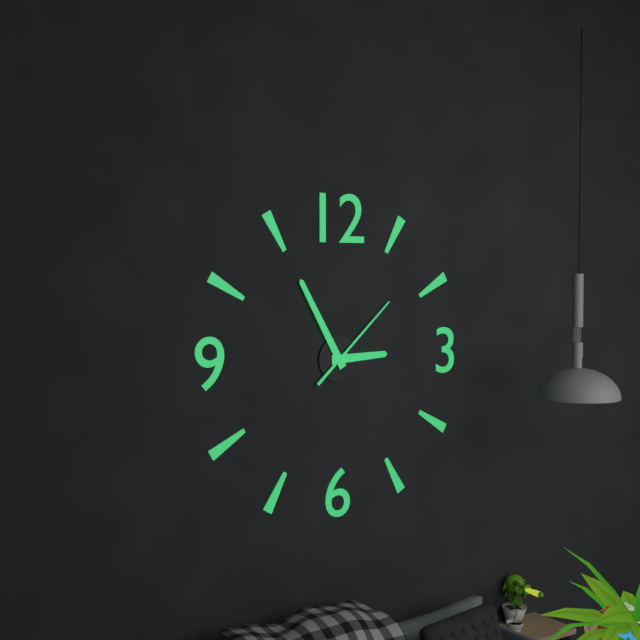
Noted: **2:55:08**
